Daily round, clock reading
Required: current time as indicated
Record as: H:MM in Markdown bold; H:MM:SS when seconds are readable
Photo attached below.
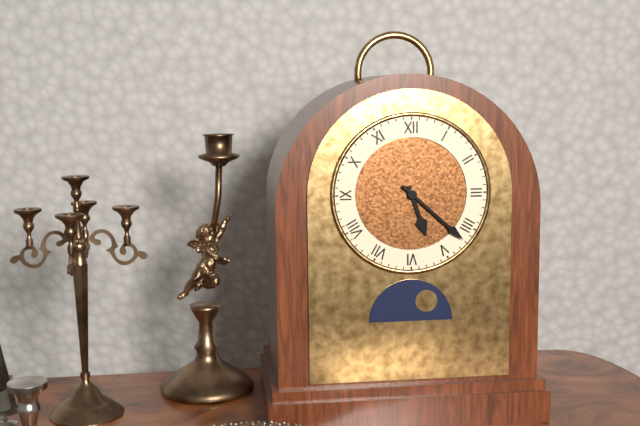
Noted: **5:22**
